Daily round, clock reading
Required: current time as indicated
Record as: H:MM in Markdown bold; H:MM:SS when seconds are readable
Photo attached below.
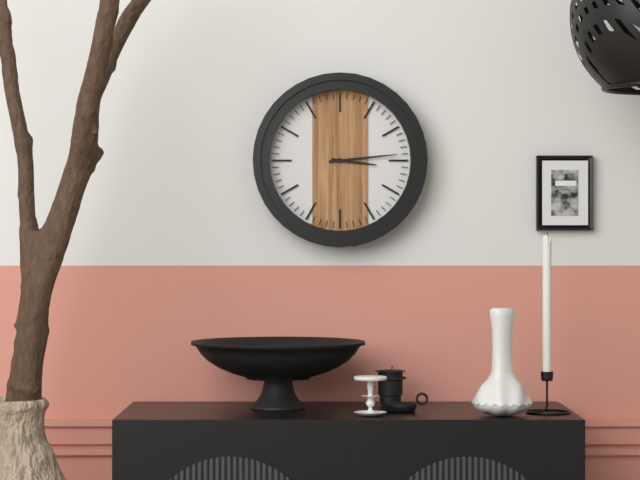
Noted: **3:14**
